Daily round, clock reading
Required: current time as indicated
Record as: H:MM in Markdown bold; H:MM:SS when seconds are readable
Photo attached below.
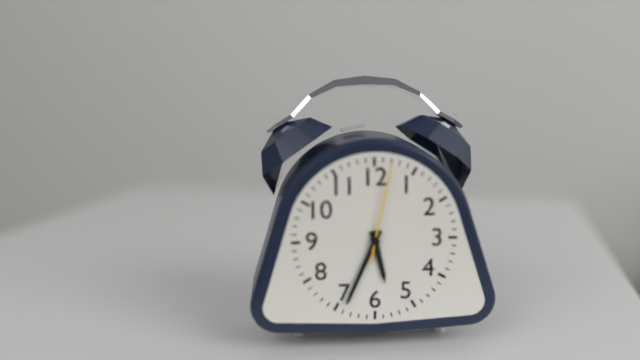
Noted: **5:34:02**
